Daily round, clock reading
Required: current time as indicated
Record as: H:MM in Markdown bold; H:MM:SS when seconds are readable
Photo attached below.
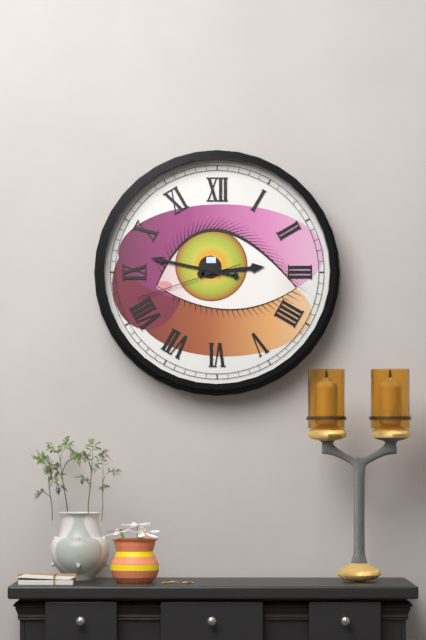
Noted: **2:47:42**
